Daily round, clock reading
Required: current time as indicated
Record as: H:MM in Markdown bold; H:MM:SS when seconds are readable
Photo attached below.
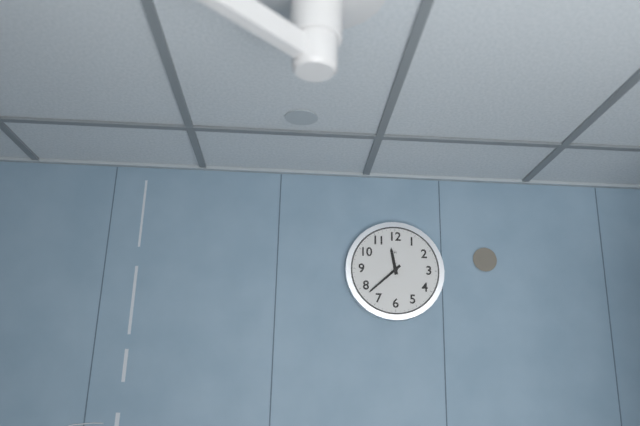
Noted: **11:38**
